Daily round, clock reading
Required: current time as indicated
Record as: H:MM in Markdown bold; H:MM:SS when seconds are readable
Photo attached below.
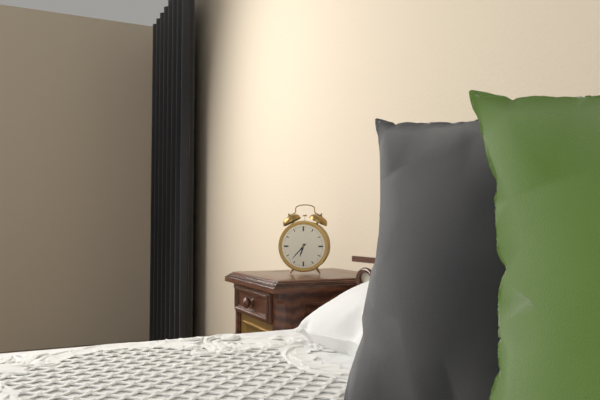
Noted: **6:37**
